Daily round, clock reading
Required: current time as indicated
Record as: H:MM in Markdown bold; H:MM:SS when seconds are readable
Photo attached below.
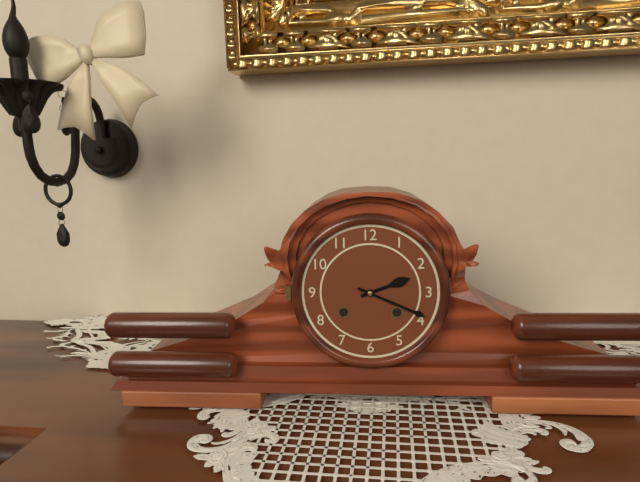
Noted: **2:19**
